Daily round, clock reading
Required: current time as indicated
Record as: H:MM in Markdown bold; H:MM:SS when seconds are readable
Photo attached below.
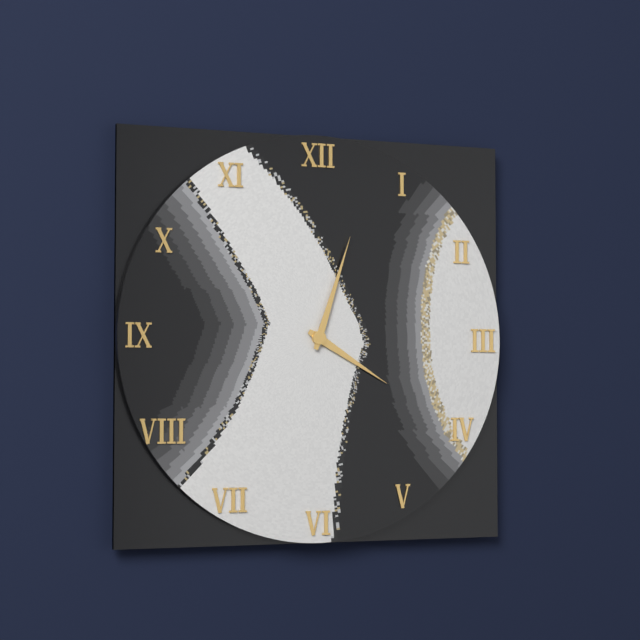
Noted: **4:03**
